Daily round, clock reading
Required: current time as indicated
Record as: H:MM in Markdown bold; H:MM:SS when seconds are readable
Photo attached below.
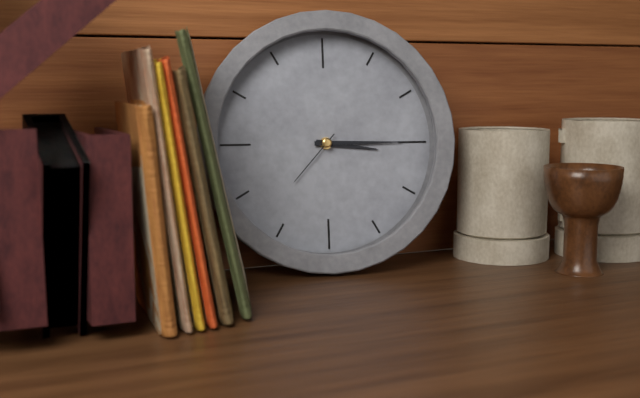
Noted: **3:15:37**
